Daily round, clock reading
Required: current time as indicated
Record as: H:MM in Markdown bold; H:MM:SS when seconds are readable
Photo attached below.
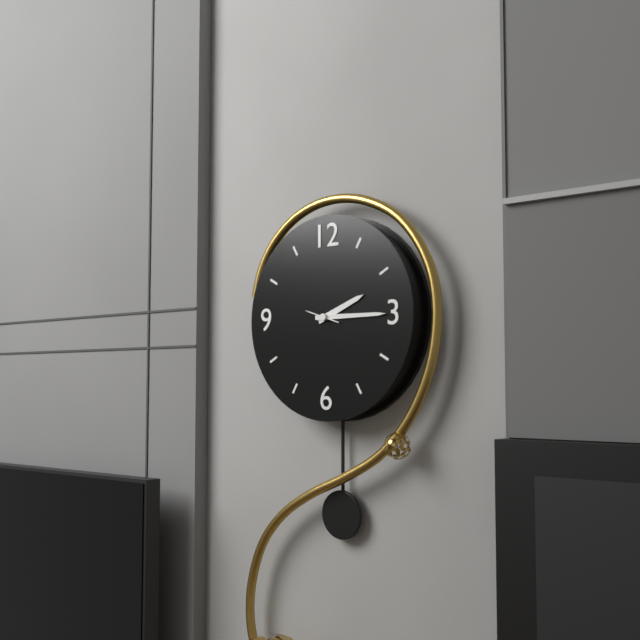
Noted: **2:15**
